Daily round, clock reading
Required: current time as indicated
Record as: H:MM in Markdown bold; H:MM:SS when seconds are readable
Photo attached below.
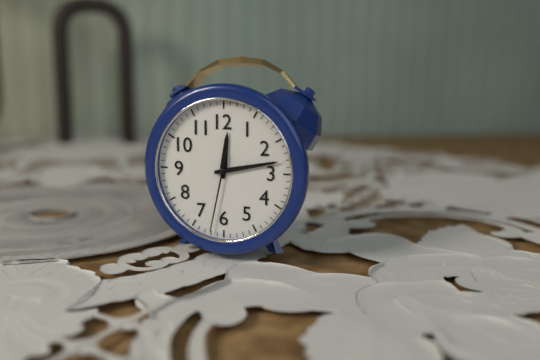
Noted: **12:13:32**
